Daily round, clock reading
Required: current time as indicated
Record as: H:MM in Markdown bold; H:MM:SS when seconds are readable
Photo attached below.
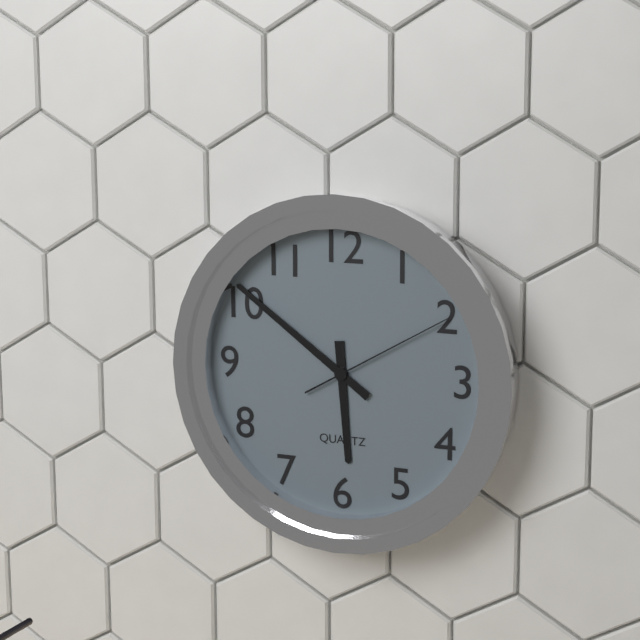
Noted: **5:51:10**
